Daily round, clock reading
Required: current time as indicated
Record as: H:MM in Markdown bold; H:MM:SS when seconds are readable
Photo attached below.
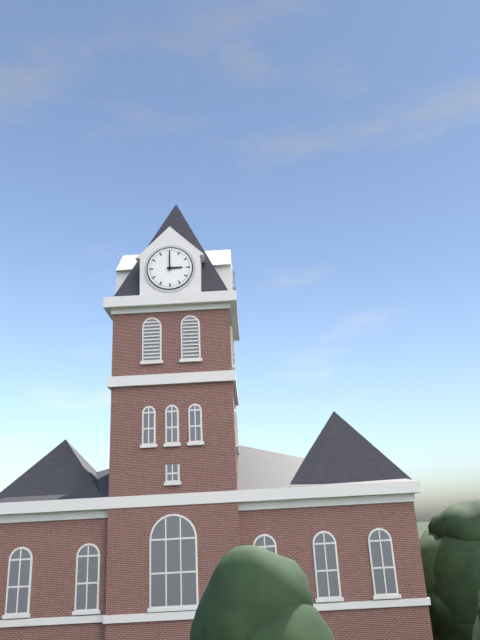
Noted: **3:00**
